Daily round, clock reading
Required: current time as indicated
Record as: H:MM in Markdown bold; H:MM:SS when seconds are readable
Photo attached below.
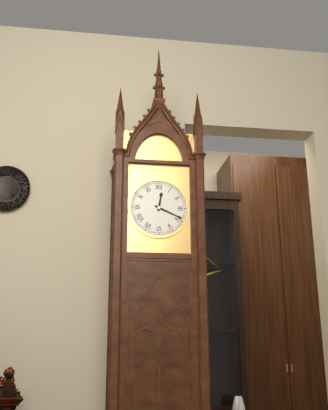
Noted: **12:19**
